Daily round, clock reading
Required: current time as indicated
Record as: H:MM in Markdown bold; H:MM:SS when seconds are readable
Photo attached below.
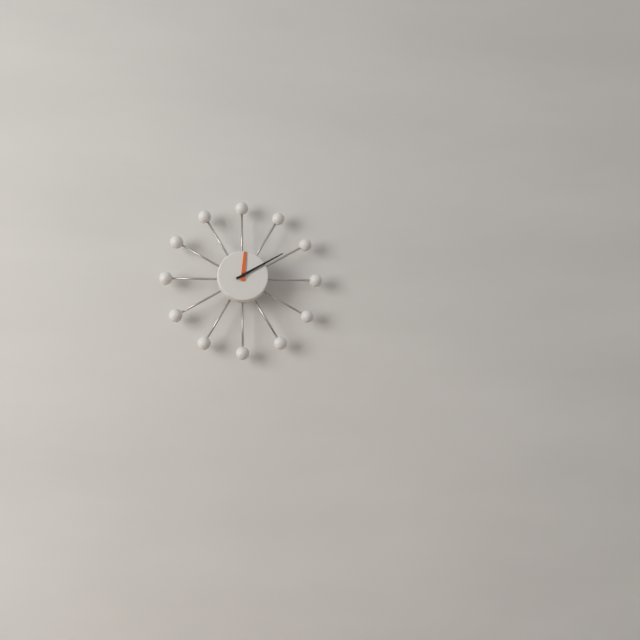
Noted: **12:10**
